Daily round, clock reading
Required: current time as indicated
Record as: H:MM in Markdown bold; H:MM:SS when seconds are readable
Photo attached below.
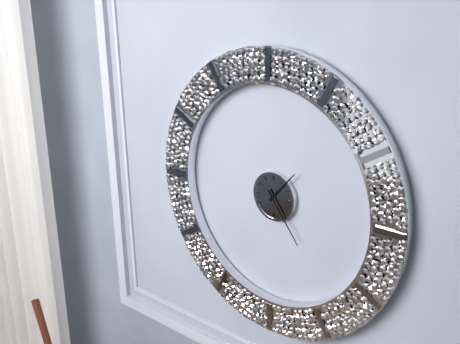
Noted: **1:24**
